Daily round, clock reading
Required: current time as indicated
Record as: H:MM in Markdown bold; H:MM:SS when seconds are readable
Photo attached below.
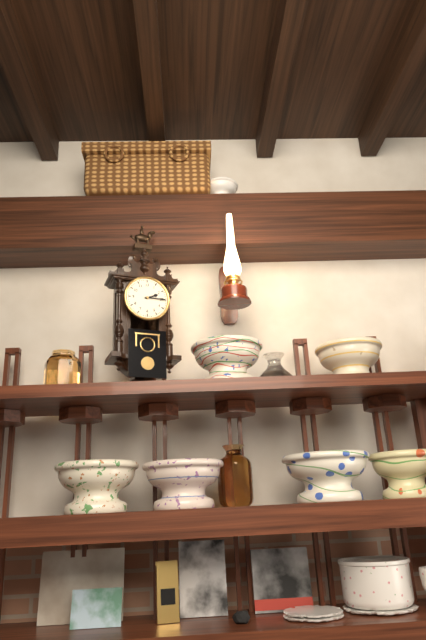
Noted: **2:15**
